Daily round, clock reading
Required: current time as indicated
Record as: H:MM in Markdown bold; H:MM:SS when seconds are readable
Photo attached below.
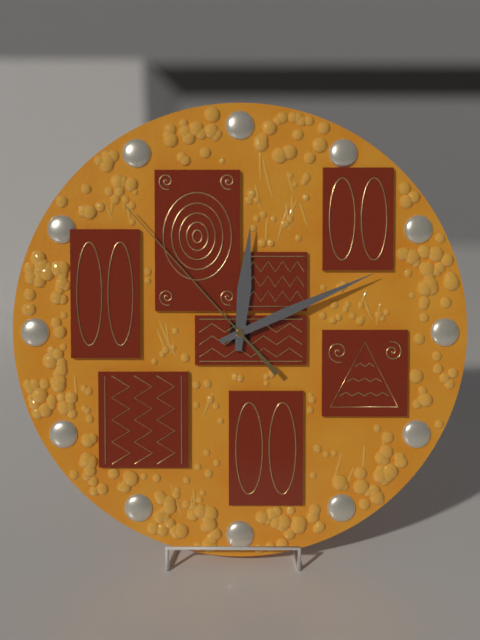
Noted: **12:11:53**
